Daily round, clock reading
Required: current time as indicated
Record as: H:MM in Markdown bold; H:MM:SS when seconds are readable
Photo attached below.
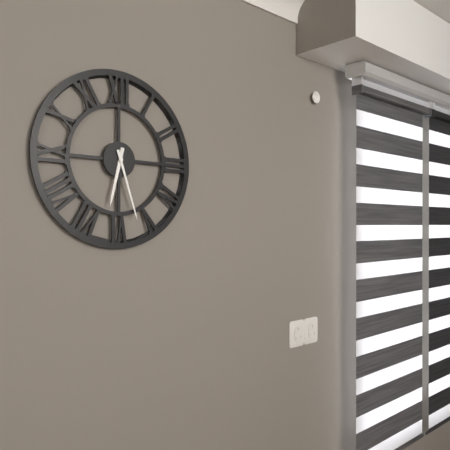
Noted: **6:27**
